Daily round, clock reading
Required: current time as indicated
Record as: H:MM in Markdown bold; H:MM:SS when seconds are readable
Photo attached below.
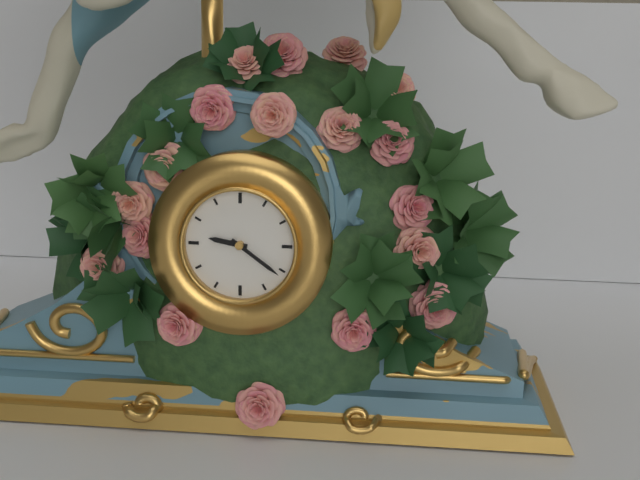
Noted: **9:21**
